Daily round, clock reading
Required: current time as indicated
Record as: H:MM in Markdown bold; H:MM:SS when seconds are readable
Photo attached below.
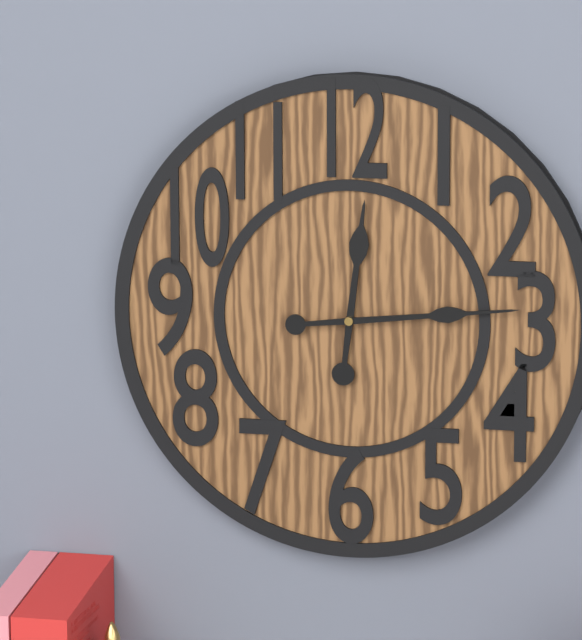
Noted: **12:14**
